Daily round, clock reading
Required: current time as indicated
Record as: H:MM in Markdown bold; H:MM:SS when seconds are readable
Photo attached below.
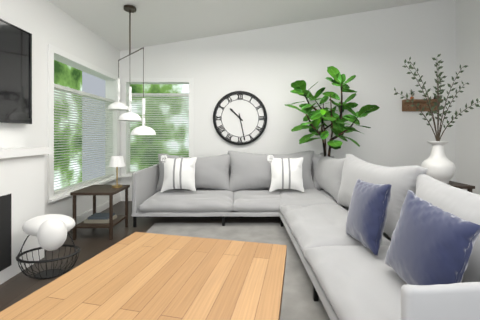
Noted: **10:28**
